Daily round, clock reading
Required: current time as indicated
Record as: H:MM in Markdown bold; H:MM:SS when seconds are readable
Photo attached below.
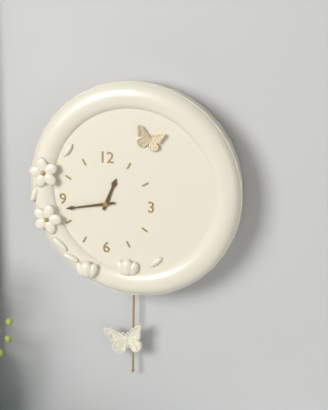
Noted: **12:43**
